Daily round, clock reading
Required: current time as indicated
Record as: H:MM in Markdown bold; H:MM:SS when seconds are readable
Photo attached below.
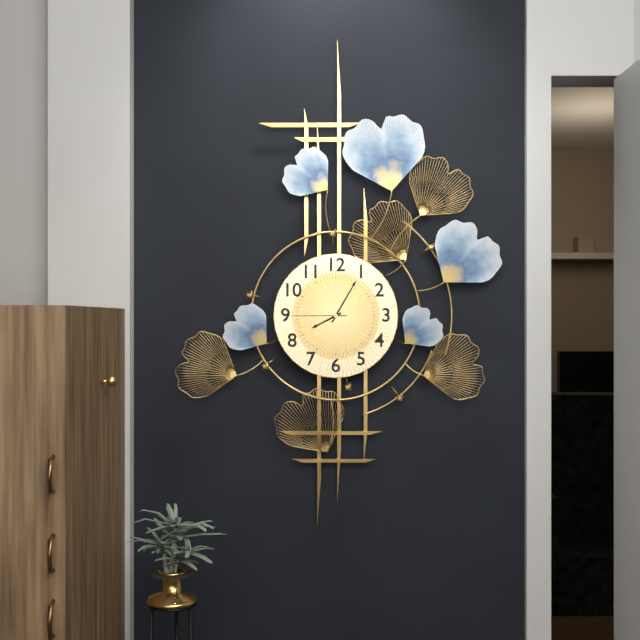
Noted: **8:05:45**
